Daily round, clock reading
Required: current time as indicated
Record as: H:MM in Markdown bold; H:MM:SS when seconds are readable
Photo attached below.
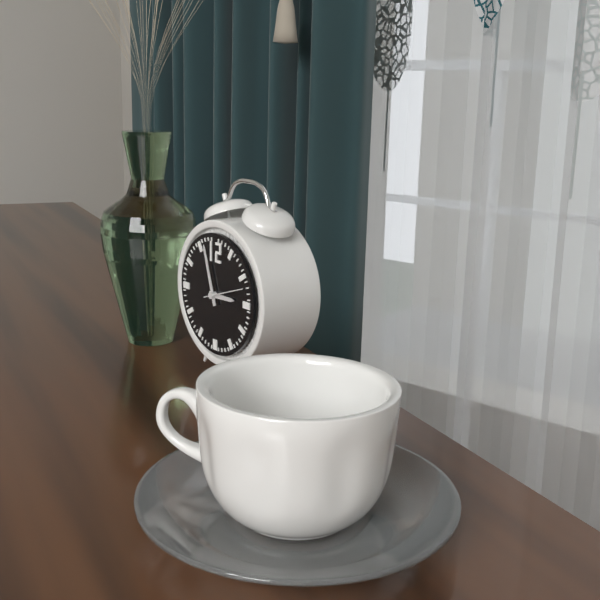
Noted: **2:57**
